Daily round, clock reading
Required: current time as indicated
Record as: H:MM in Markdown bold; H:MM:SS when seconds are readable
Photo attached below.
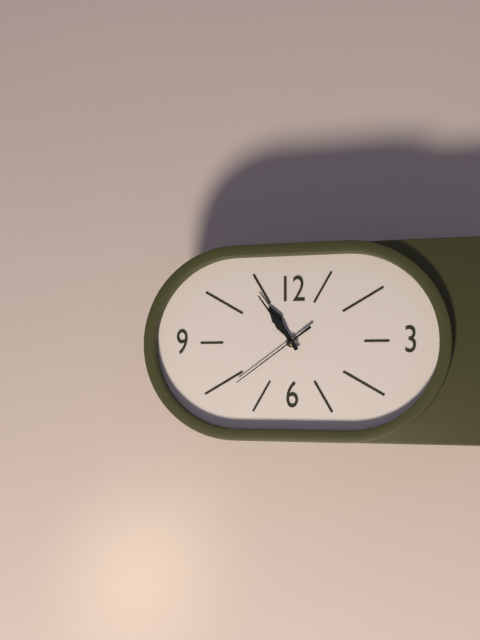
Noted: **10:54:39**
